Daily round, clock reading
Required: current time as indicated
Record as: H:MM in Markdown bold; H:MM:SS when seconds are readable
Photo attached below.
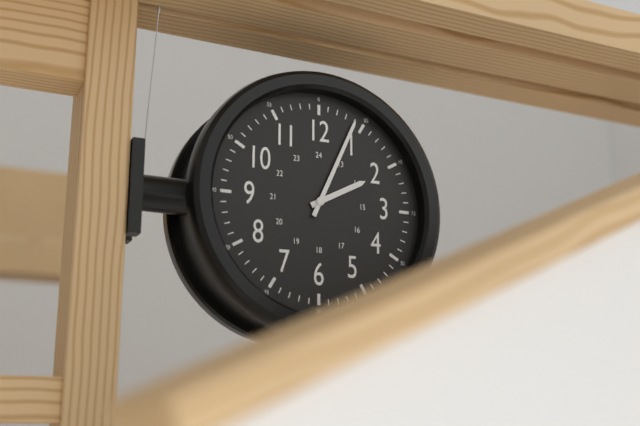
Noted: **2:04**
